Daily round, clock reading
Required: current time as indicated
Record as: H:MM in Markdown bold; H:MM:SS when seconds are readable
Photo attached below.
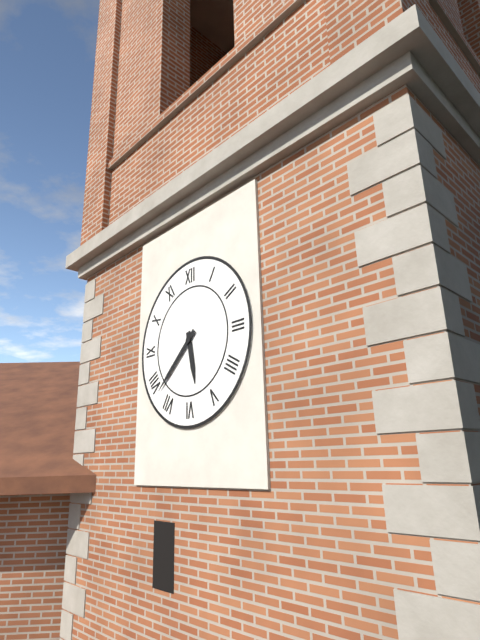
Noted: **5:38**
